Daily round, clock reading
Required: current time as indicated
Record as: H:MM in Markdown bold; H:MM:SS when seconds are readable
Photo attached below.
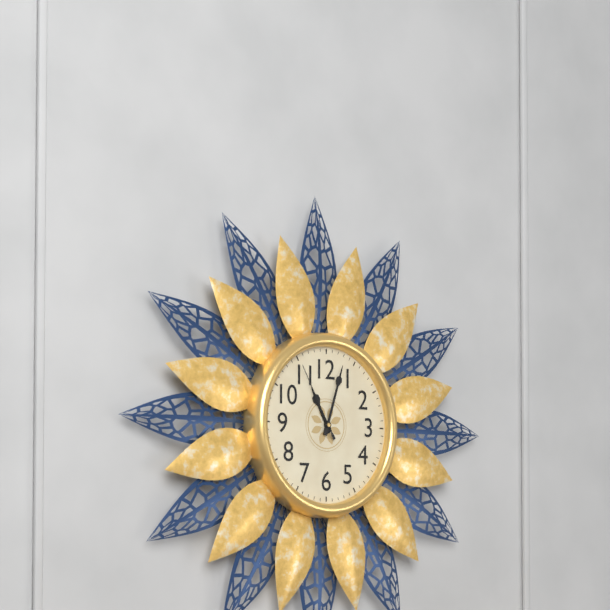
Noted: **11:03:55**
